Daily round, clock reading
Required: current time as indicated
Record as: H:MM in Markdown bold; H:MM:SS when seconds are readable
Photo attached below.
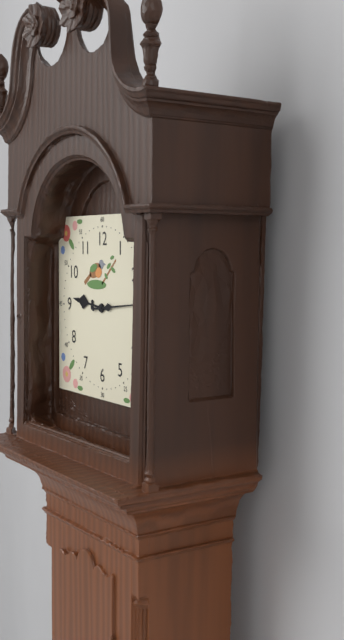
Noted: **9:14**
